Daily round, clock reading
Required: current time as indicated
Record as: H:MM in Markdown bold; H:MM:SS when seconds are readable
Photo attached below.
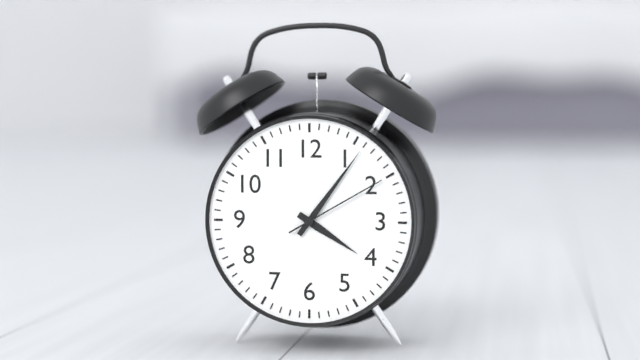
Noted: **4:06:10**
